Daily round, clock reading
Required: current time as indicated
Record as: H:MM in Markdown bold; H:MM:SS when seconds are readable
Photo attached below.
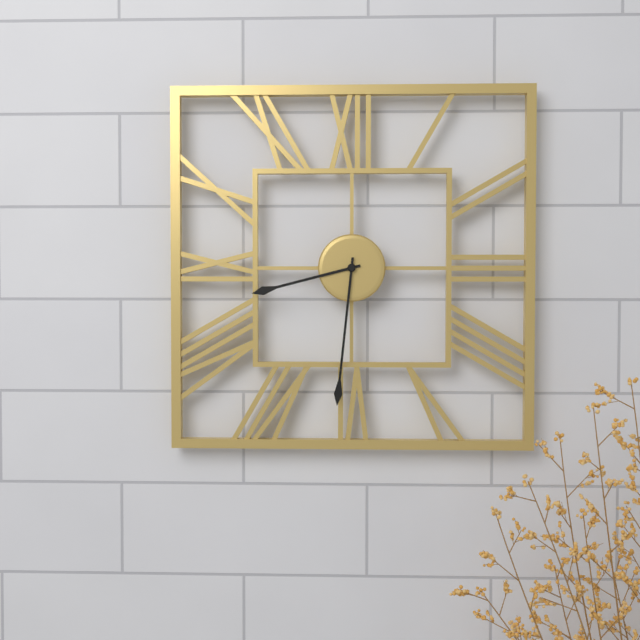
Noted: **8:31**
